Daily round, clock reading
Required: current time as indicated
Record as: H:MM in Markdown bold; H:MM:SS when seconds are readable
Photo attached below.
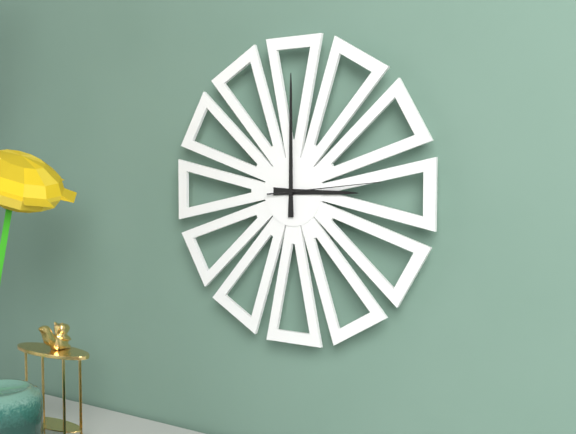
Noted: **3:00:14**
